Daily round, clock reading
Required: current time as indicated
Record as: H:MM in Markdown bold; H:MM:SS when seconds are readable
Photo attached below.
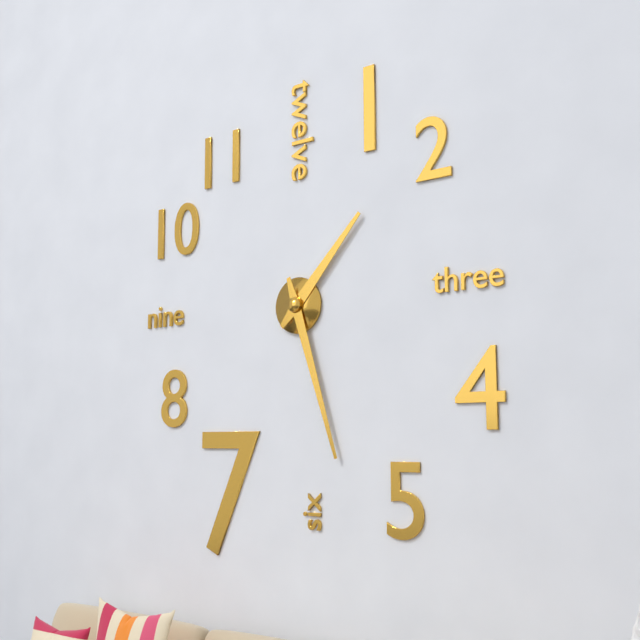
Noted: **1:27**
